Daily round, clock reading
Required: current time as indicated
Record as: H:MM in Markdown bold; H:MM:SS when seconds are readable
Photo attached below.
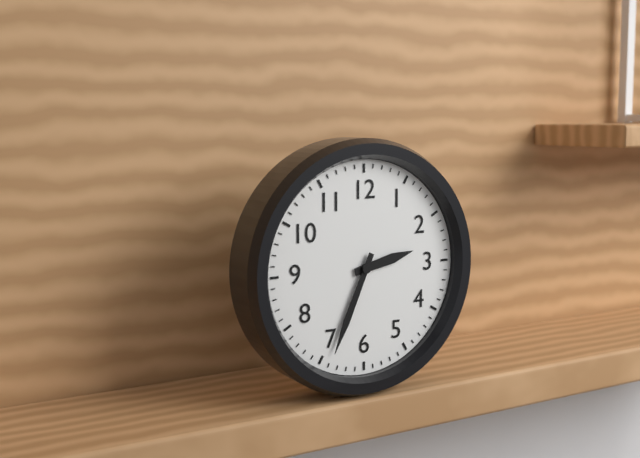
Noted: **2:34**
